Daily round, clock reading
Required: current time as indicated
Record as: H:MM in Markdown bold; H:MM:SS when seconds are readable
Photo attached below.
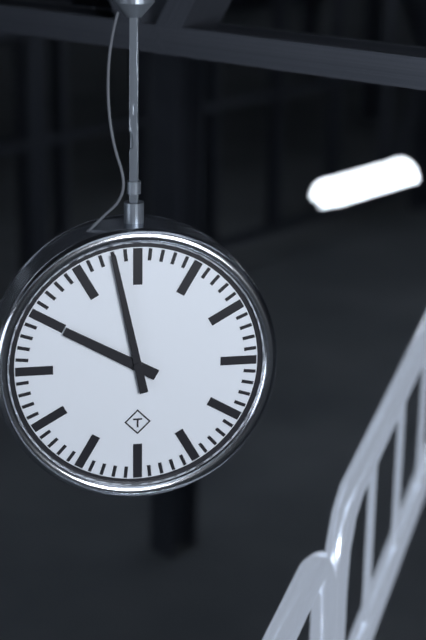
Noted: **9:58**
